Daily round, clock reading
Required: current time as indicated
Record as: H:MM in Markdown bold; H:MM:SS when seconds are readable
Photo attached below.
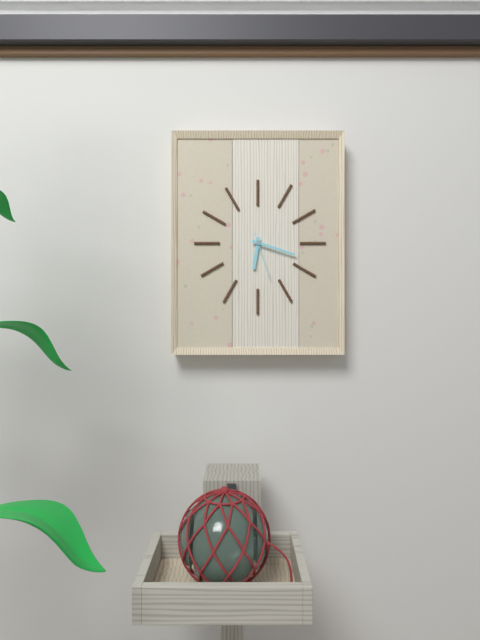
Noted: **6:18**
